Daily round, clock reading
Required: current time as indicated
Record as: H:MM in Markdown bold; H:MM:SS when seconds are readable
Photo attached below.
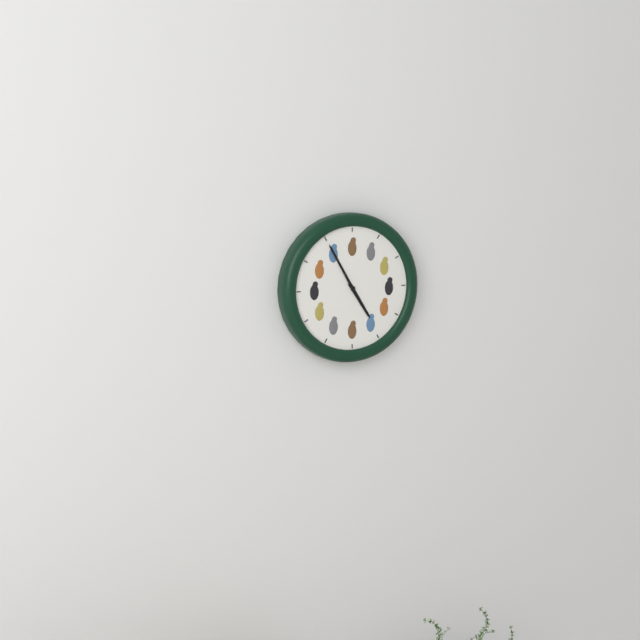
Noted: **4:55**
